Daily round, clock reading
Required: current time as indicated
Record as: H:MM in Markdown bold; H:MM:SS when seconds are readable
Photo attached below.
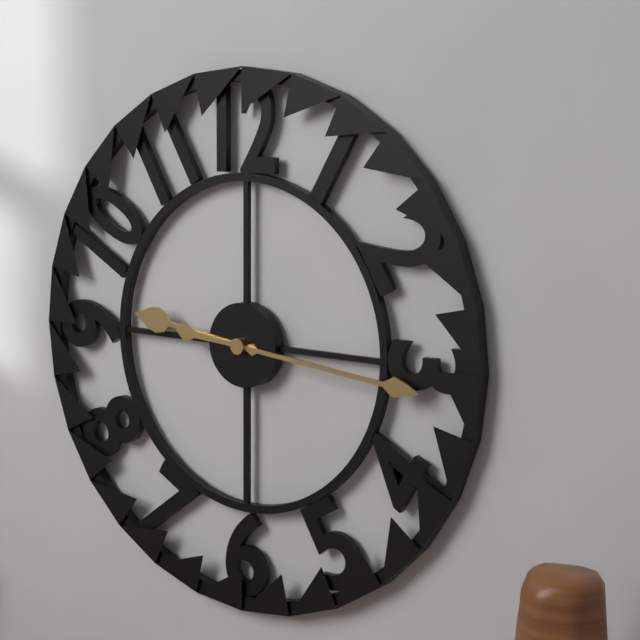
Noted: **9:16**
